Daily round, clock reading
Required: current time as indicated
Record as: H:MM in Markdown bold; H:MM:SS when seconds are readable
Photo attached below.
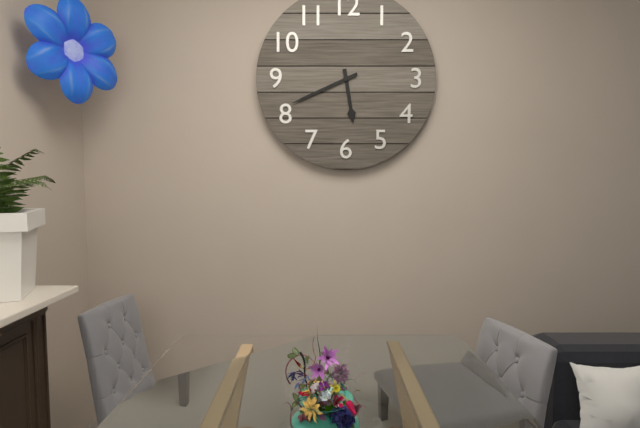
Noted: **5:41**
